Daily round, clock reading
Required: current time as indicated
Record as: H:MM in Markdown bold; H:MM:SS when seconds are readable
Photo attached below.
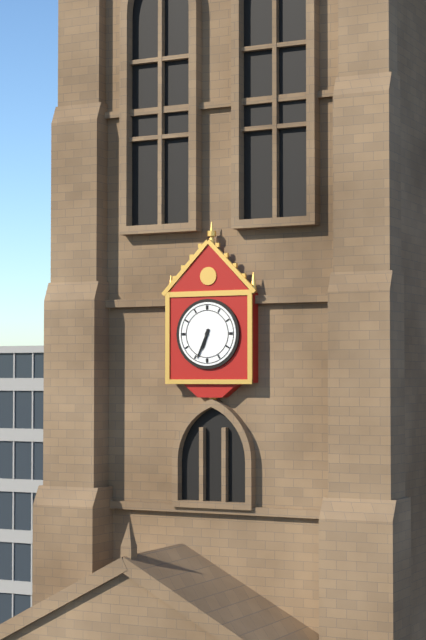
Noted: **6:34**
